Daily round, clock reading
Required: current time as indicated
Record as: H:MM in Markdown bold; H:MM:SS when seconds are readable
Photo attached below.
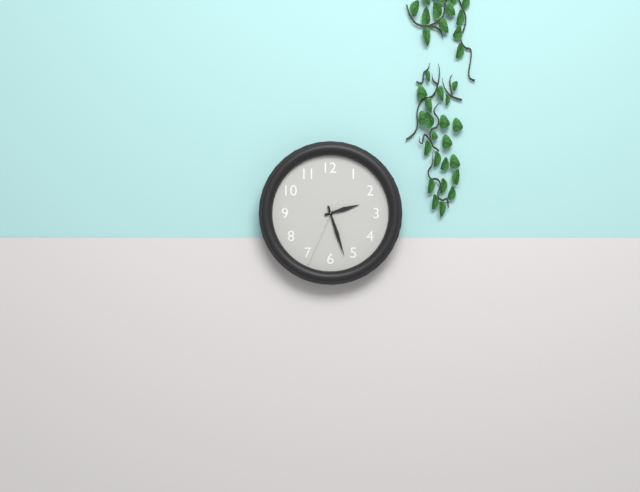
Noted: **2:27:34**
